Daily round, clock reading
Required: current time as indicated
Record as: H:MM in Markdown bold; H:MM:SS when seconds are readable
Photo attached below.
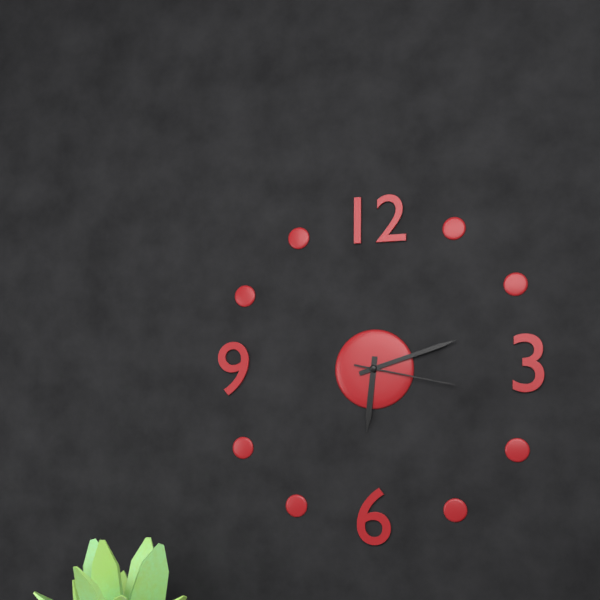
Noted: **6:12:17**
